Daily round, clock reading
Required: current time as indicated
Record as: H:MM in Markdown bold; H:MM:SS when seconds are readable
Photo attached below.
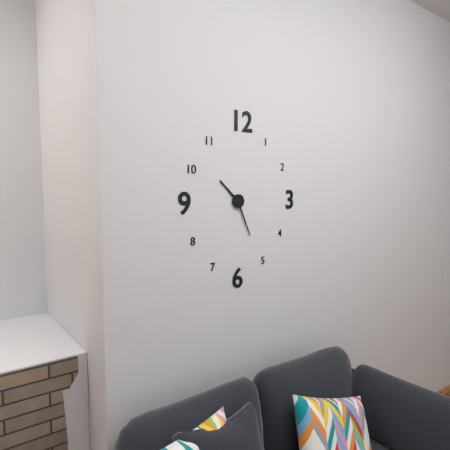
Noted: **10:26**
